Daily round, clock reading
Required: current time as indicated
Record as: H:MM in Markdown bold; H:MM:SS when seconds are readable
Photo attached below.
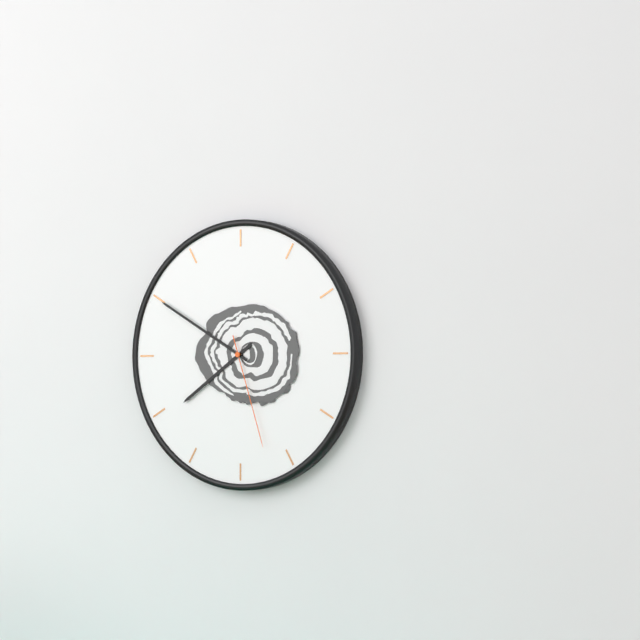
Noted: **7:50:27**
